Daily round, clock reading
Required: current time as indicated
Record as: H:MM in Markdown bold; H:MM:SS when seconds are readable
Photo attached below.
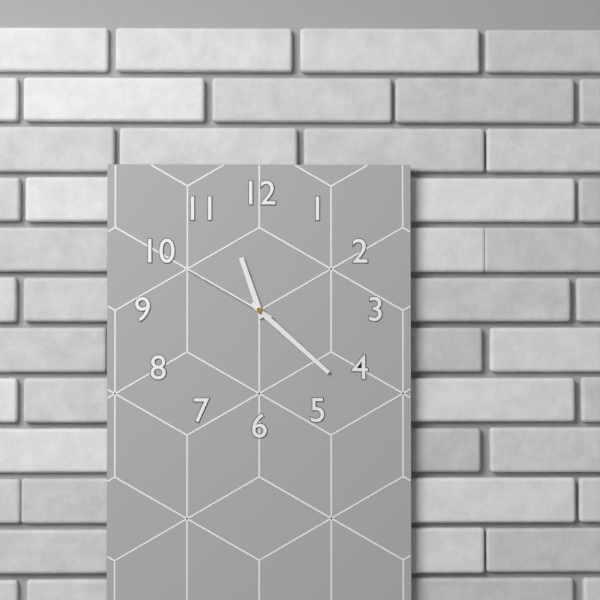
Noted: **11:22:50**
